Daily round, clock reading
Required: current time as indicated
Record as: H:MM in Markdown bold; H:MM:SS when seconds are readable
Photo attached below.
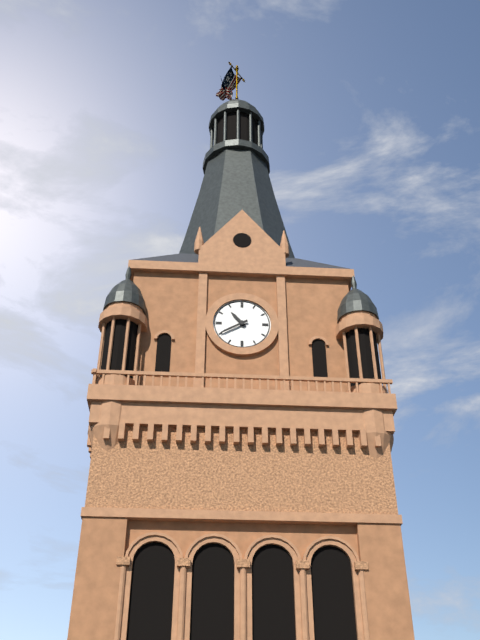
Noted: **10:40**
